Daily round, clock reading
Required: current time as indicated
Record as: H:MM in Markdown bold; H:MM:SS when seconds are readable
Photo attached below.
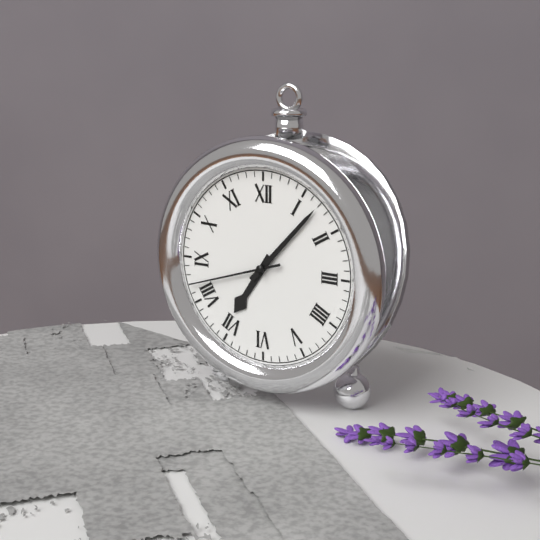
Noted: **7:07:42**
